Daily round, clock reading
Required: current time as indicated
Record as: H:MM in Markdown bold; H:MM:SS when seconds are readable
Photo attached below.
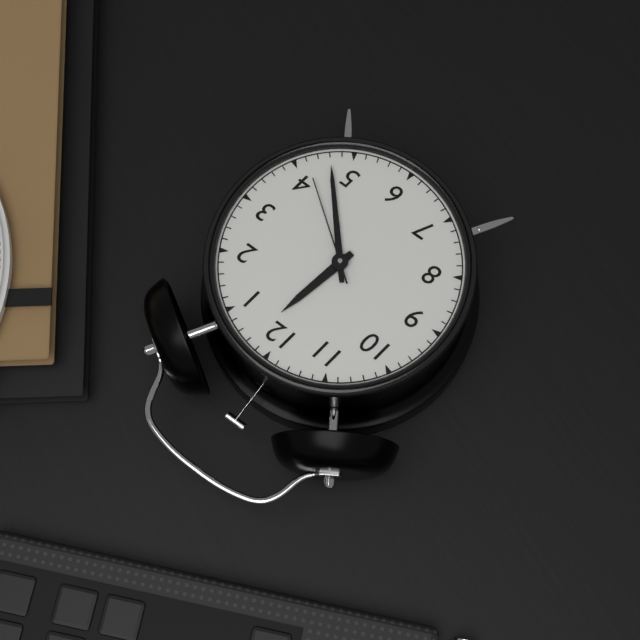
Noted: **12:23:21**
